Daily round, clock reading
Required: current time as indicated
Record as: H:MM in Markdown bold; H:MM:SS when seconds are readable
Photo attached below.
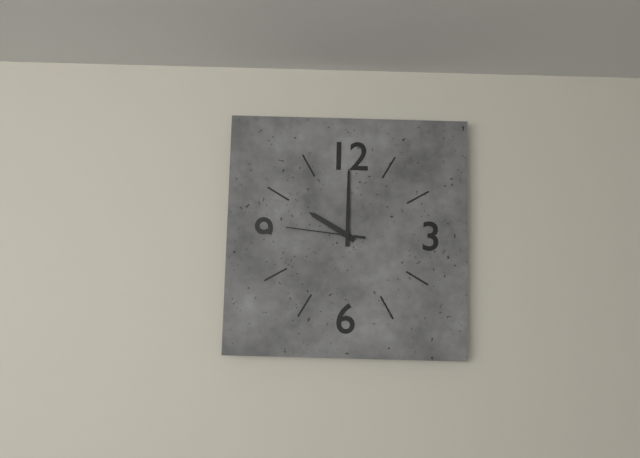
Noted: **10:00:46**
